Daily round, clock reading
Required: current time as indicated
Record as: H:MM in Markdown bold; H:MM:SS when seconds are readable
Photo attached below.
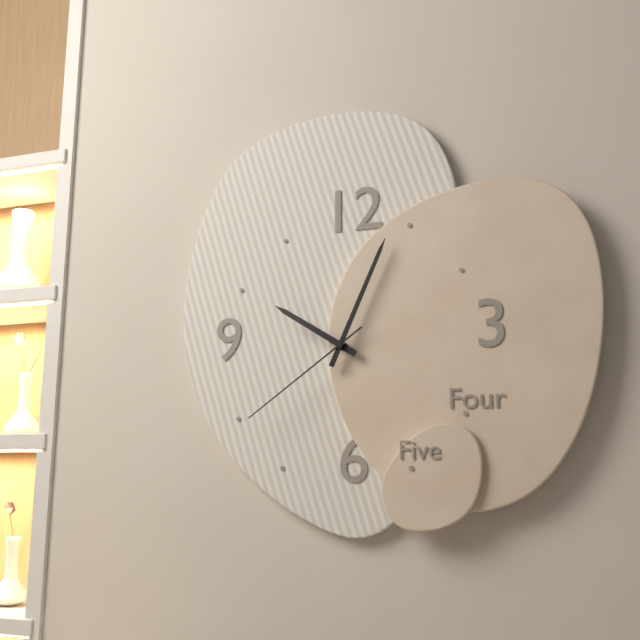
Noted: **10:04:39**
